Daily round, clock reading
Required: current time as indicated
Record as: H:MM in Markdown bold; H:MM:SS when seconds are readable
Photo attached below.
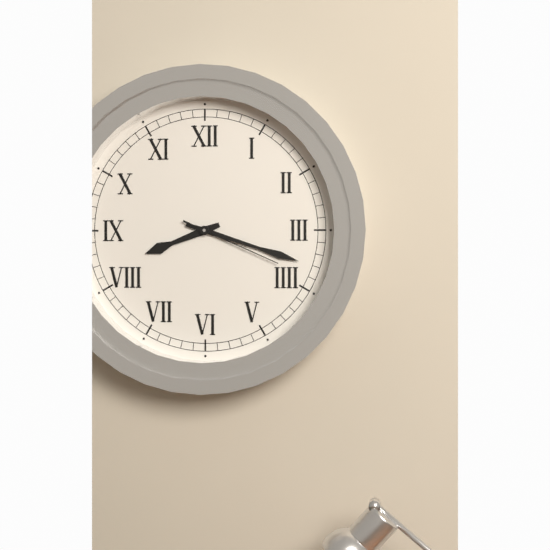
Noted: **8:18:19**
